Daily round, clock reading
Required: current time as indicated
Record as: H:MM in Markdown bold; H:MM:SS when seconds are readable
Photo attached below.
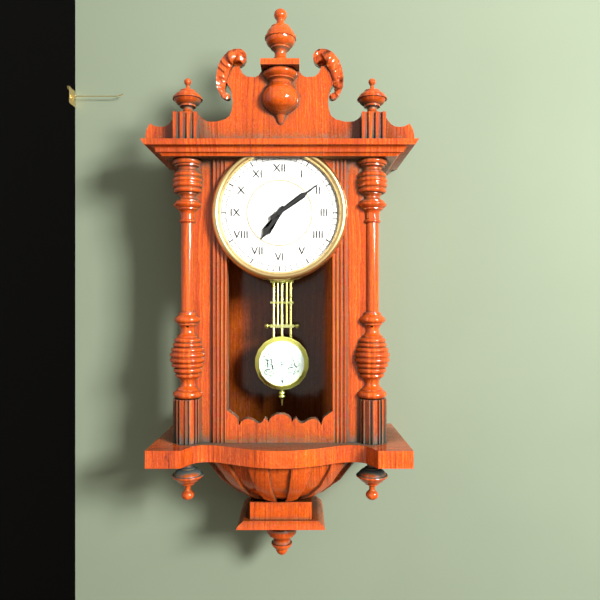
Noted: **7:09**
